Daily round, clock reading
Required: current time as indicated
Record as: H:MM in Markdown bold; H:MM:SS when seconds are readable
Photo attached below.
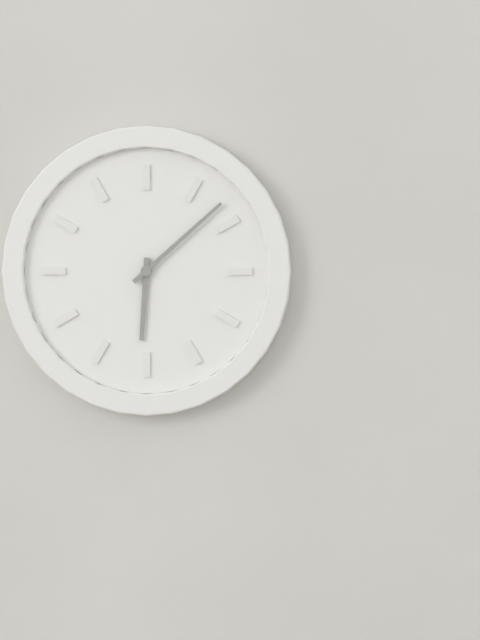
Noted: **6:08**
